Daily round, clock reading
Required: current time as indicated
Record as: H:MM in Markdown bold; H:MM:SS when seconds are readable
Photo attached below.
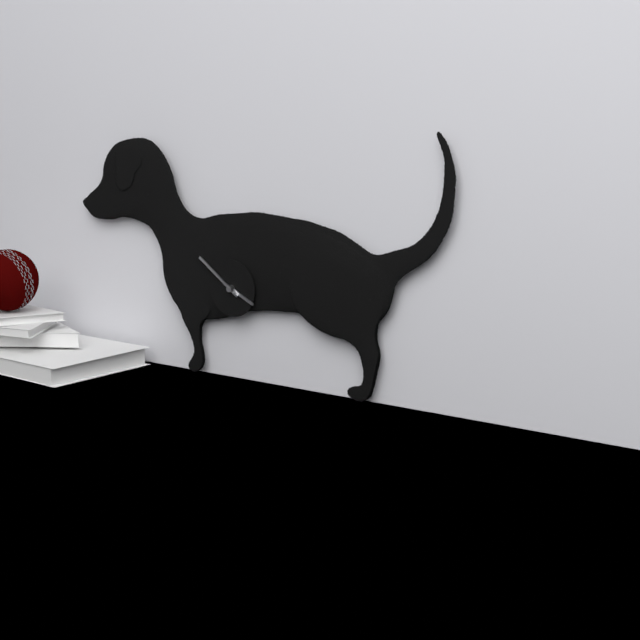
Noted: **3:51**
